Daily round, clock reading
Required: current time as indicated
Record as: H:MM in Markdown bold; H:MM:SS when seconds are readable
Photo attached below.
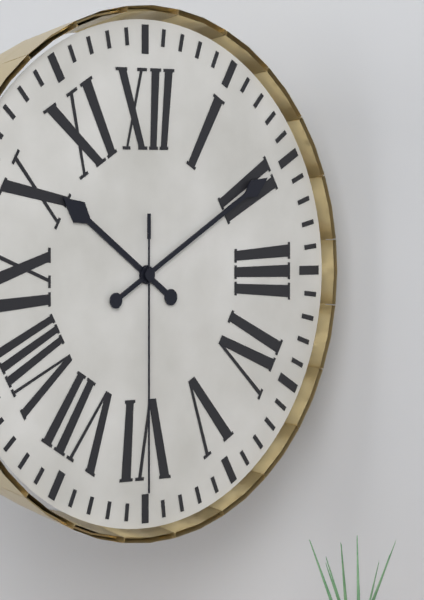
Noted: **10:10:30**
